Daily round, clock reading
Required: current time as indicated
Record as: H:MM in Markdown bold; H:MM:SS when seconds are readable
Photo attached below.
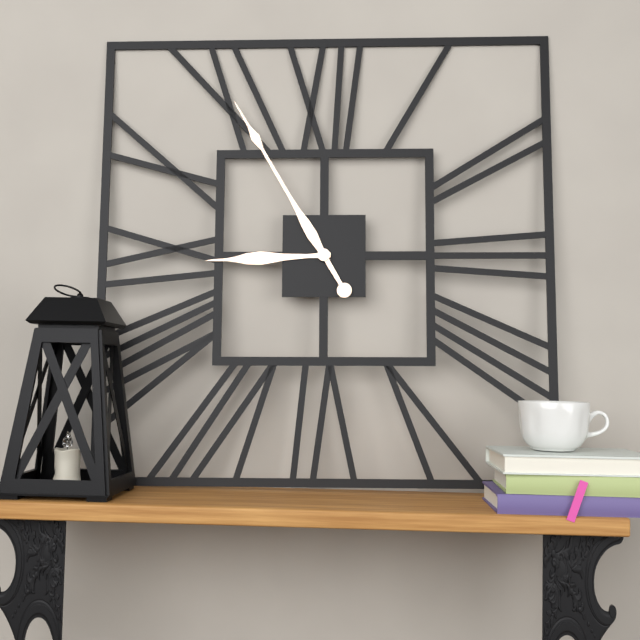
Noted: **8:55**
